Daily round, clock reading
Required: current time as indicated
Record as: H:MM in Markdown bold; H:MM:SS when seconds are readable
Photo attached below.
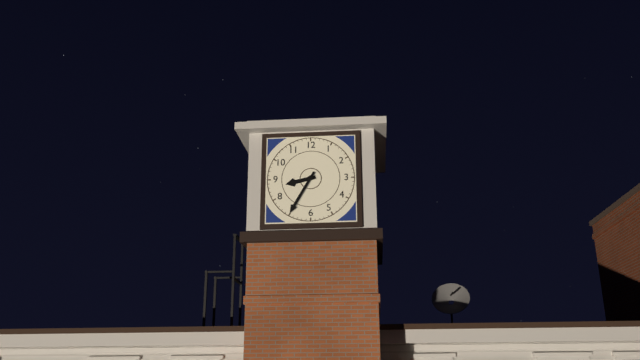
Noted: **8:35**
